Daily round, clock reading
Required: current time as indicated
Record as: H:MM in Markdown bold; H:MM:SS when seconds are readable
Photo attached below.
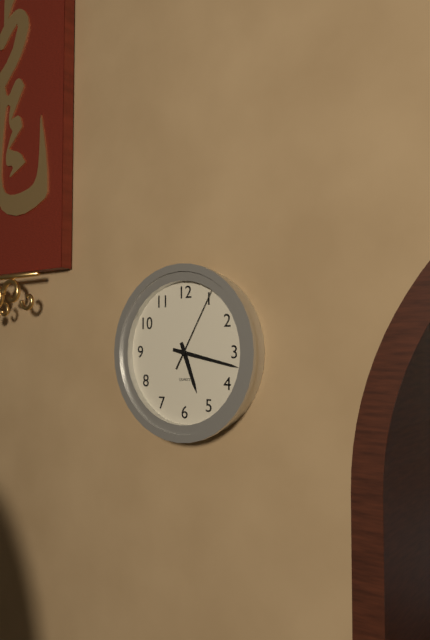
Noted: **5:17:05**
